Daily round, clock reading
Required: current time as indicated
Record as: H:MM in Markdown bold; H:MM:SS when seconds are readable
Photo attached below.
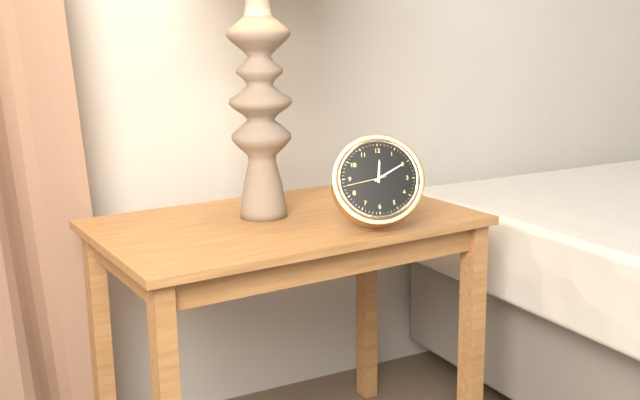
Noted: **12:10**
